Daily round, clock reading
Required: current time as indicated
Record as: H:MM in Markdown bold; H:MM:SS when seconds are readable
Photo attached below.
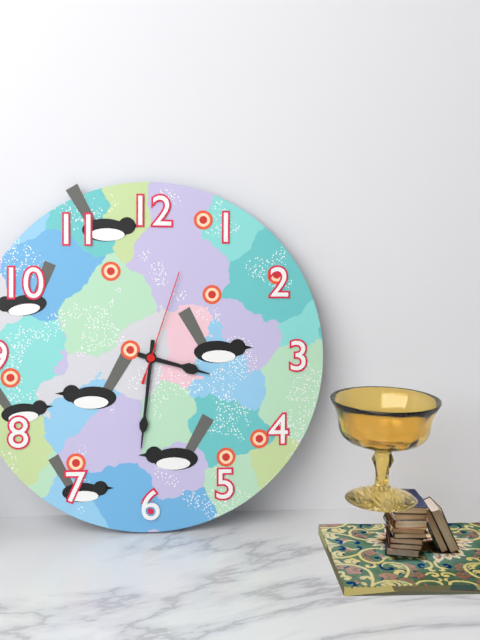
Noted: **3:31:03**
